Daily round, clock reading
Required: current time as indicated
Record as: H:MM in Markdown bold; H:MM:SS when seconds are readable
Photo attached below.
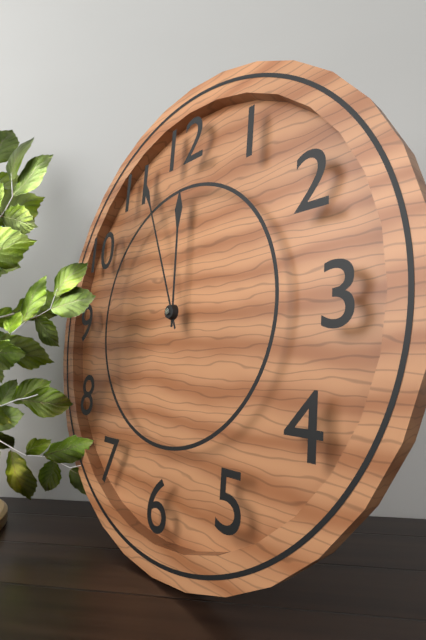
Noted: **11:56**
